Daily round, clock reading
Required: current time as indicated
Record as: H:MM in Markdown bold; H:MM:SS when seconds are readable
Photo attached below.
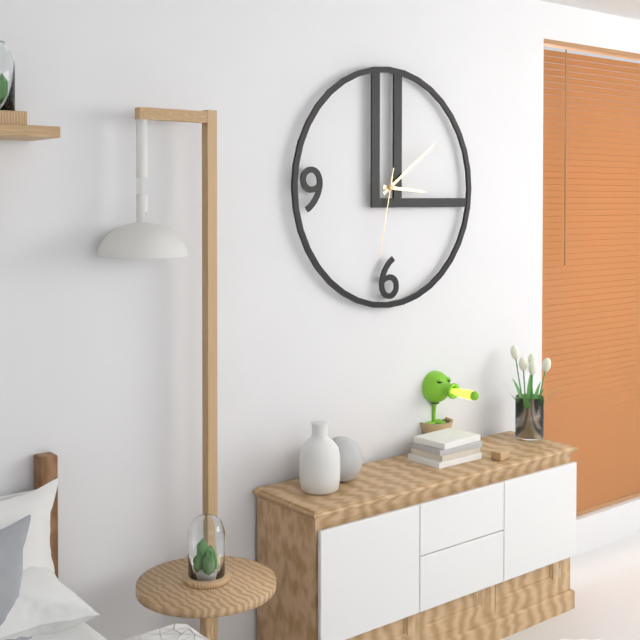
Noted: **3:09:32**
